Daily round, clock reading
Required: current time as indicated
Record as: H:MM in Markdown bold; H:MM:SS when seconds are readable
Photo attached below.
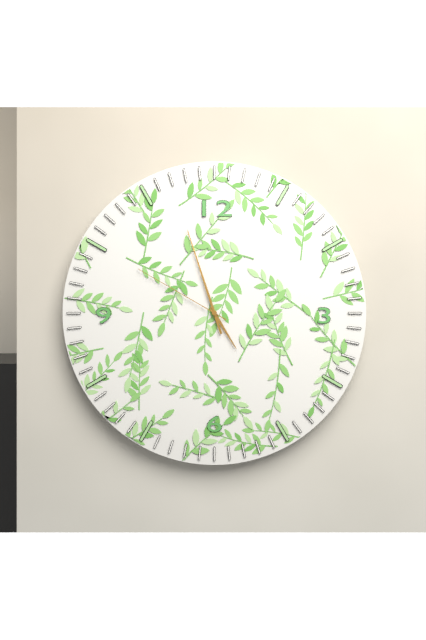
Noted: **4:57:50**
